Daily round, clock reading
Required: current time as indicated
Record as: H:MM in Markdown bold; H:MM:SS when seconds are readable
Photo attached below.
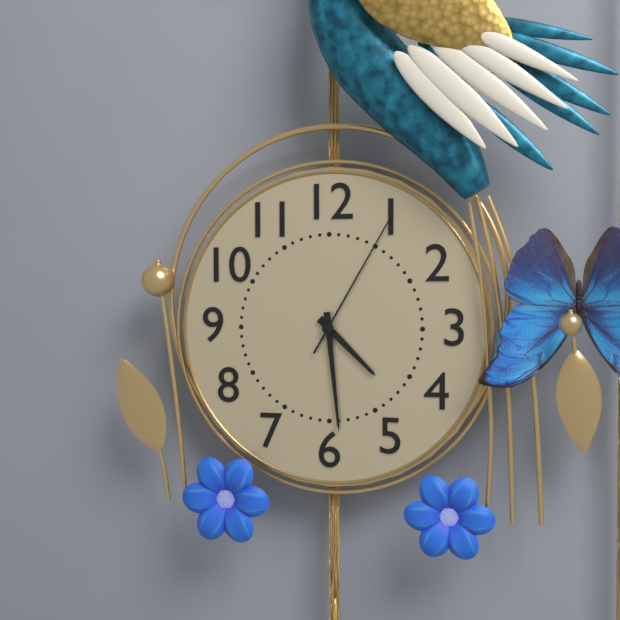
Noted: **4:29:05**
